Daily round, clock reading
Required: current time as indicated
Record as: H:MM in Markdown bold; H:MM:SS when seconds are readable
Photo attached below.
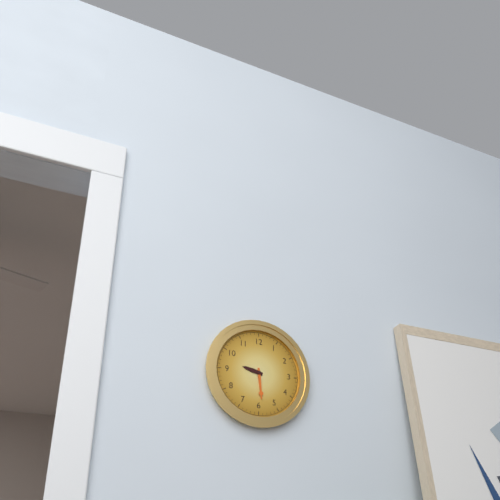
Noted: **9:29**
